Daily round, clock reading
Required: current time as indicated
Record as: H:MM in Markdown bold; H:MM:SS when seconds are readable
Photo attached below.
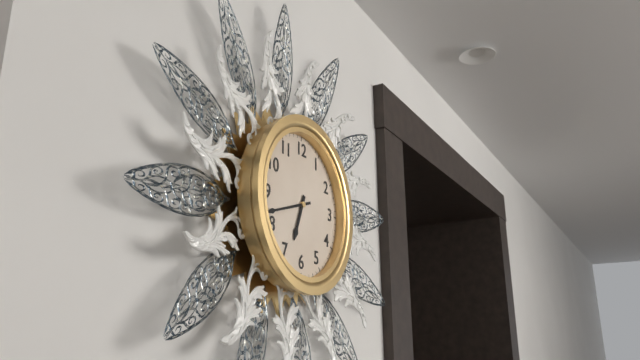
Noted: **6:42**
